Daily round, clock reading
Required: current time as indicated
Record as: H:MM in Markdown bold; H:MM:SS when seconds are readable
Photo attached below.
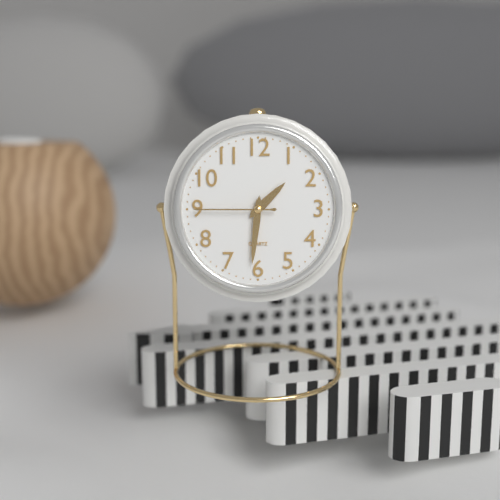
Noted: **1:31:45**
